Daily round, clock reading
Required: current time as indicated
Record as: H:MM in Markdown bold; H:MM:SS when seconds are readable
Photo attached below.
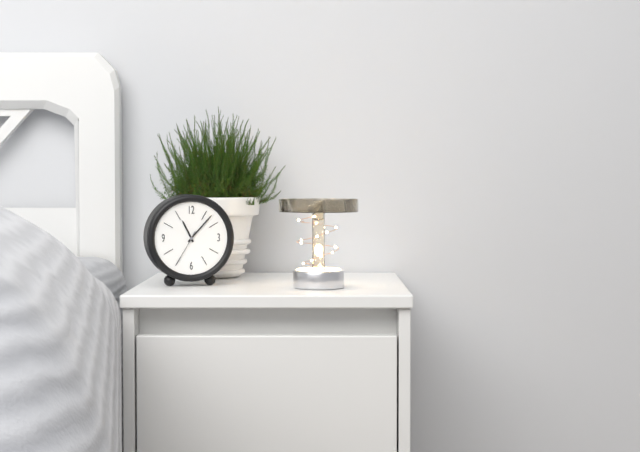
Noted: **11:07**
